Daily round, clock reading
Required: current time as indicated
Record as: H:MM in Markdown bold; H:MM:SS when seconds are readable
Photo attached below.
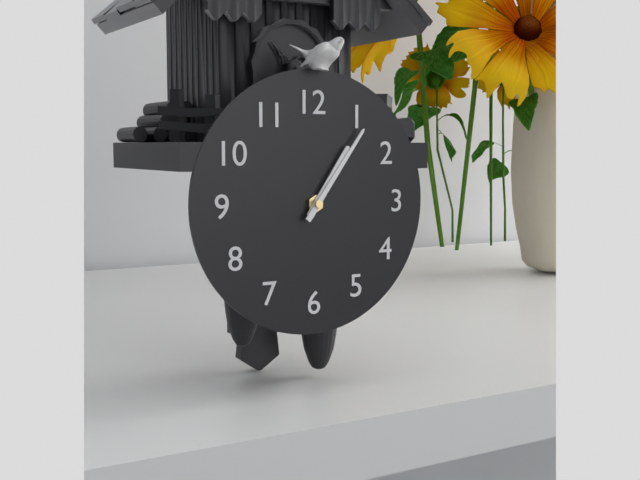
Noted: **1:06**
